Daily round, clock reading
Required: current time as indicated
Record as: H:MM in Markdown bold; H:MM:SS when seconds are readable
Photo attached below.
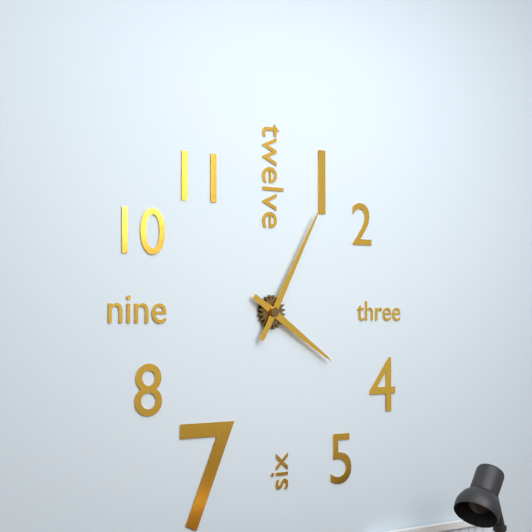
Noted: **4:05**
